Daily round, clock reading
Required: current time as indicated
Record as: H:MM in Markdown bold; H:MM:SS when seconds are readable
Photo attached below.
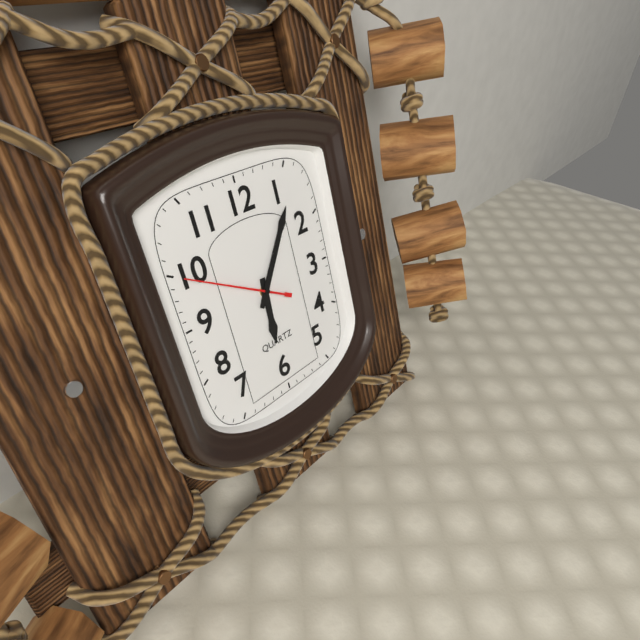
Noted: **6:06:50**
